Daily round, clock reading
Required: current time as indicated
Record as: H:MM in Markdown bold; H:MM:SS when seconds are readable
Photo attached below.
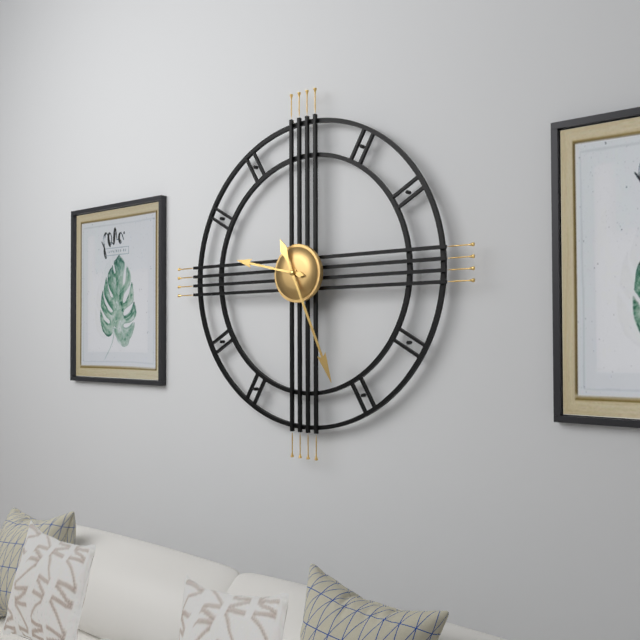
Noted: **9:26**
